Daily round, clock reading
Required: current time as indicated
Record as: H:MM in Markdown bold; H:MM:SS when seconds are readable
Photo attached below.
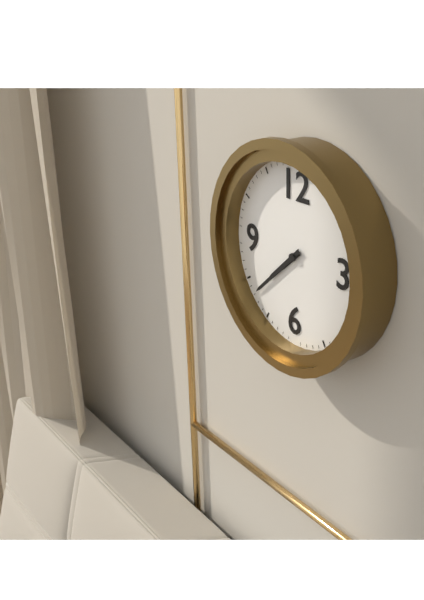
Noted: **7:38**
